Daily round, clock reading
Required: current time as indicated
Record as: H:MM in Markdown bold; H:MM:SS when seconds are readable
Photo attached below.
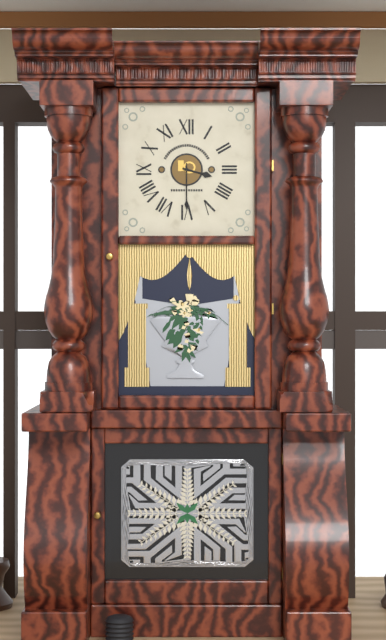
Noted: **3:30**
